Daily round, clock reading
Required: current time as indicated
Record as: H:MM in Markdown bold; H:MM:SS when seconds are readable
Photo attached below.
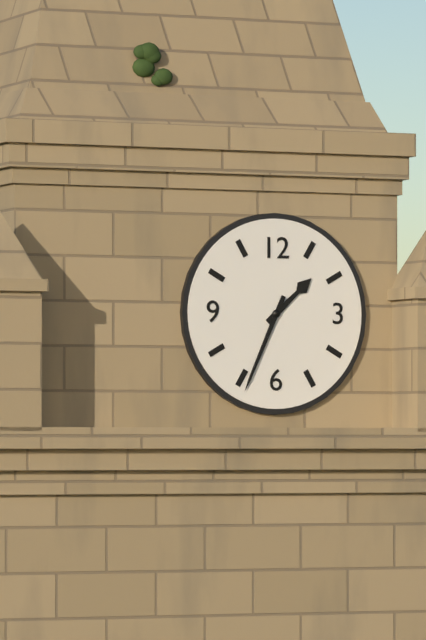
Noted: **1:34**
